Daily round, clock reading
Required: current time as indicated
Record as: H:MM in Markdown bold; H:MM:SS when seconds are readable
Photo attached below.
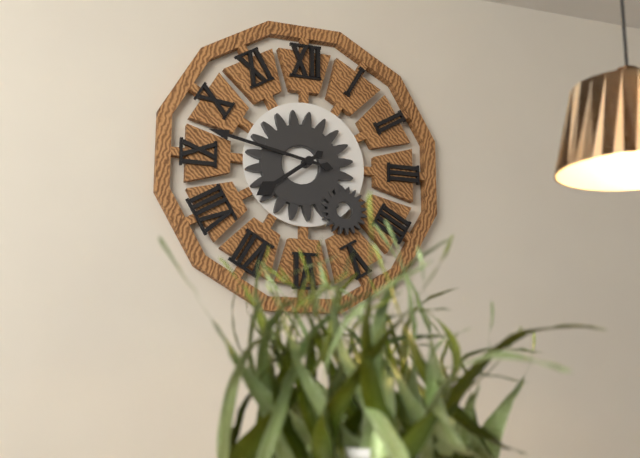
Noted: **7:47**
